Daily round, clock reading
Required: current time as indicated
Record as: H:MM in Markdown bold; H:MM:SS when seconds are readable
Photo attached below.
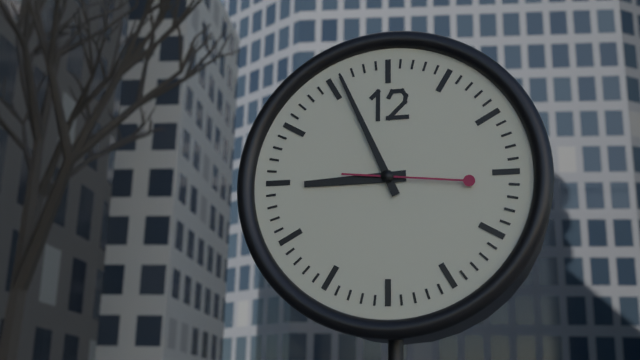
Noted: **8:56:16**
